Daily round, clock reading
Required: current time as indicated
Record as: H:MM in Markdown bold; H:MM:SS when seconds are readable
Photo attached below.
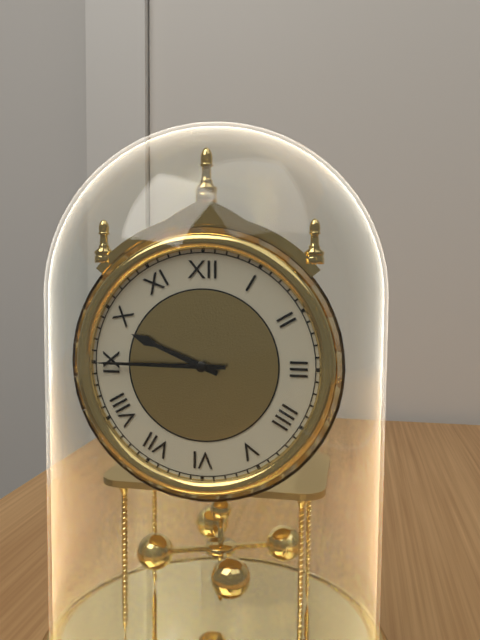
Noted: **9:45**
